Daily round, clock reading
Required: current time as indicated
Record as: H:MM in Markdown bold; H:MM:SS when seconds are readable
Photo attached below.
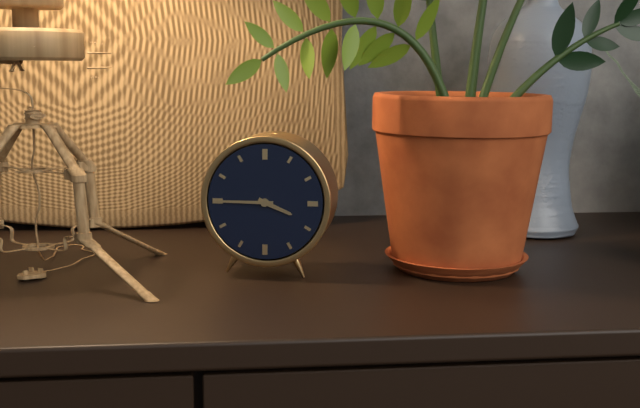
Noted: **3:45**
